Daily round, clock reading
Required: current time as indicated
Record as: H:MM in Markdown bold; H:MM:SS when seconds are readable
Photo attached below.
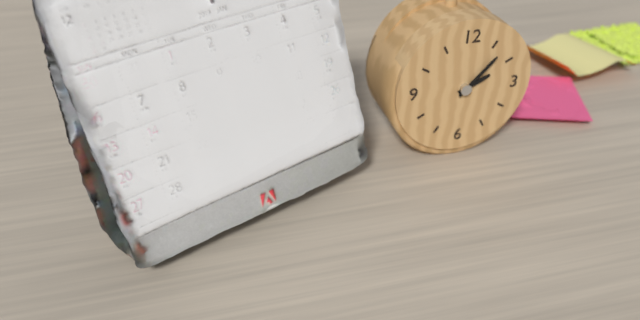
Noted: **2:07**
